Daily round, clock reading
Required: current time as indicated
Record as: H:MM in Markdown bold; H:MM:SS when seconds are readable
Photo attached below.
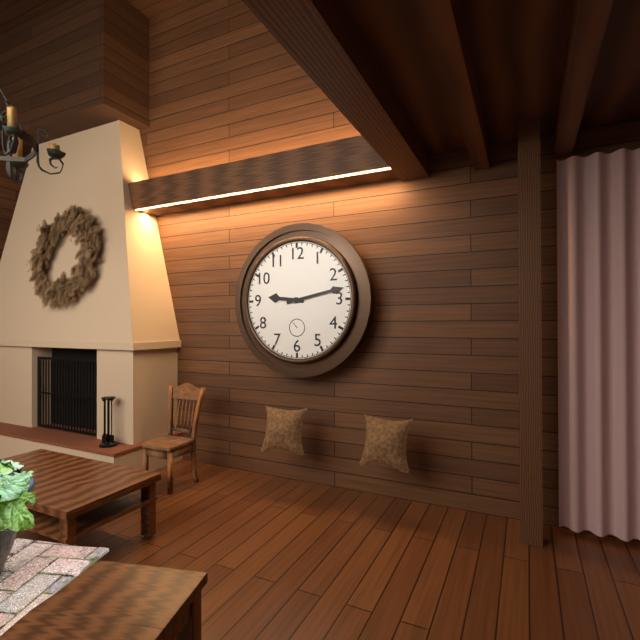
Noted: **9:13**
